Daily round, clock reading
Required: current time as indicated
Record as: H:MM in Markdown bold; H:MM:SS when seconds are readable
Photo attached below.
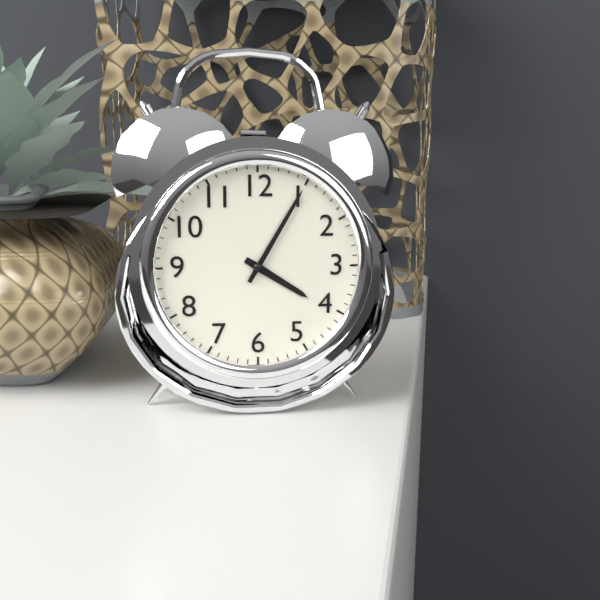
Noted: **4:05**
